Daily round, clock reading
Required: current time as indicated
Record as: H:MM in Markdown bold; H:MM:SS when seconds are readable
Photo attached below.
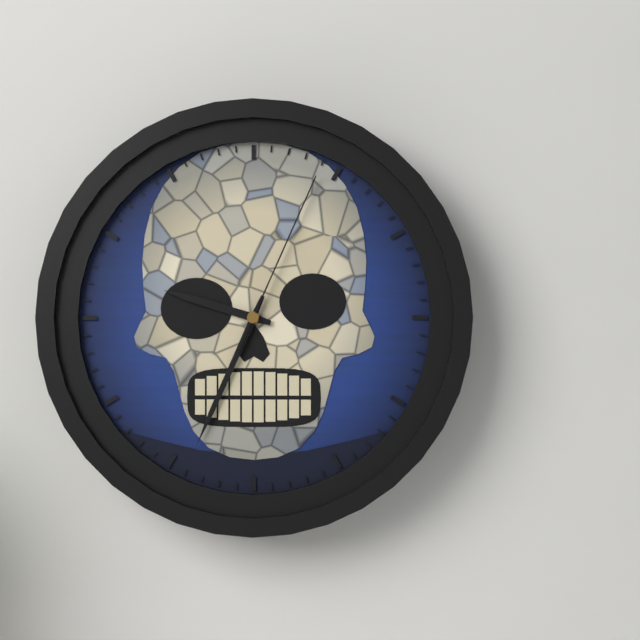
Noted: **9:34:04**
